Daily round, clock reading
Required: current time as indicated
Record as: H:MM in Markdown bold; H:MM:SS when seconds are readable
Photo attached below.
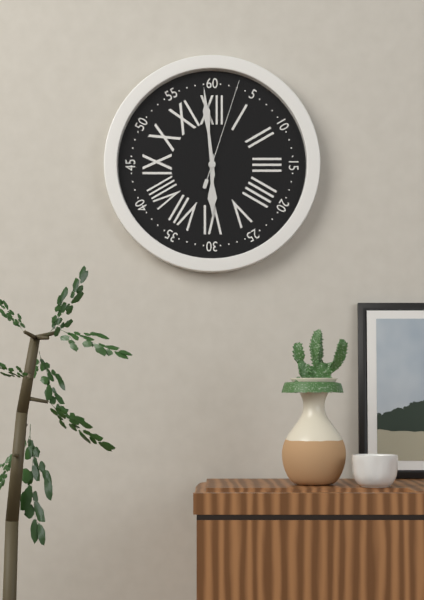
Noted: **5:59:03**
